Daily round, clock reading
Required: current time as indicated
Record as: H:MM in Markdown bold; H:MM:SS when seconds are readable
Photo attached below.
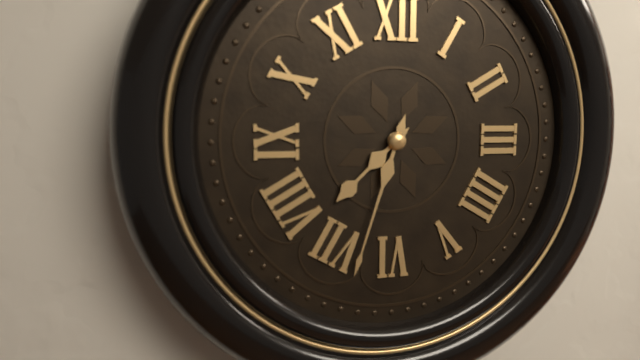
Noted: **7:33**
